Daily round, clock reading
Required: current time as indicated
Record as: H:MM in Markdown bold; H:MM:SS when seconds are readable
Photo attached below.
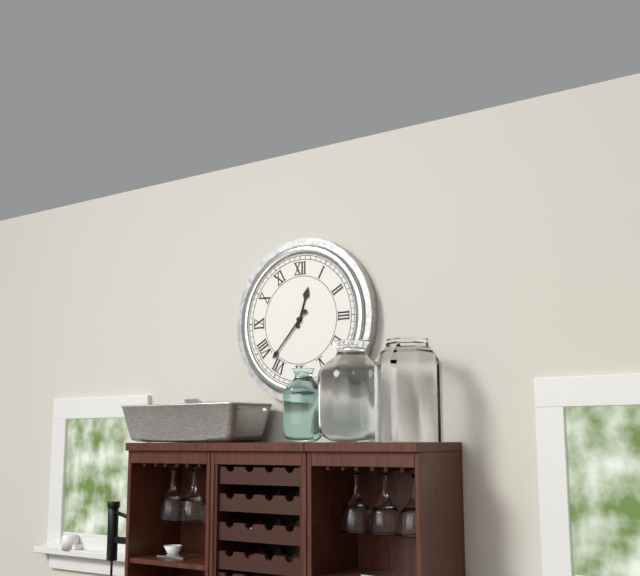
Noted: **12:37**
